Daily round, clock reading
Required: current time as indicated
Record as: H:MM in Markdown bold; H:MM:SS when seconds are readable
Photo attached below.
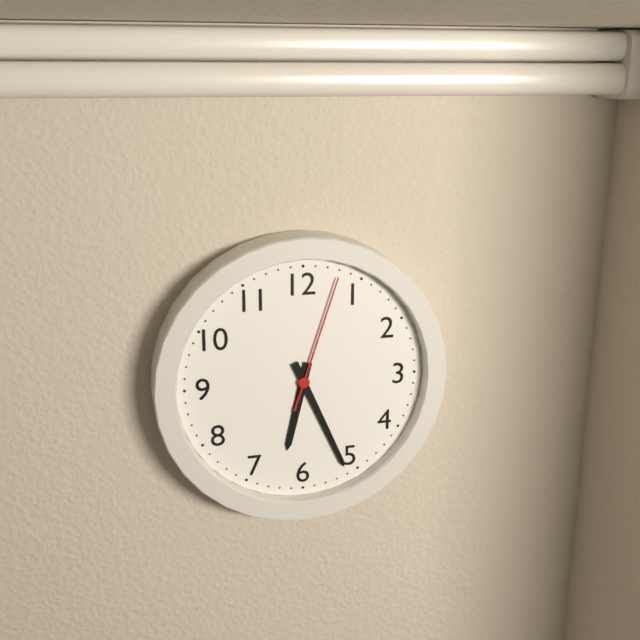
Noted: **6:26:03**
